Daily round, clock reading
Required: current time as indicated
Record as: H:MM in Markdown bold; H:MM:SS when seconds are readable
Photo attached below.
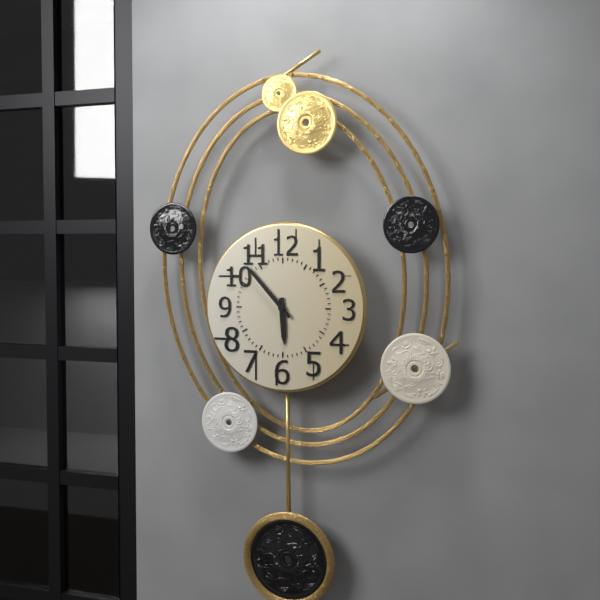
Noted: **5:53**
